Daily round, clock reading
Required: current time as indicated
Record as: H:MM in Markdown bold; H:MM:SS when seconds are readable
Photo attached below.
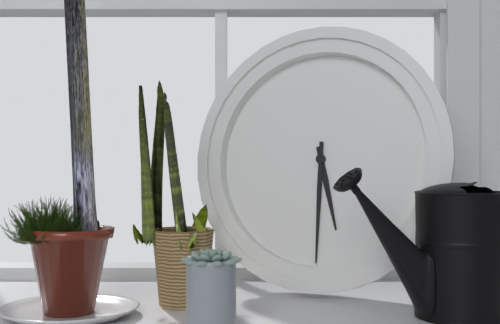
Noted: **5:30**
